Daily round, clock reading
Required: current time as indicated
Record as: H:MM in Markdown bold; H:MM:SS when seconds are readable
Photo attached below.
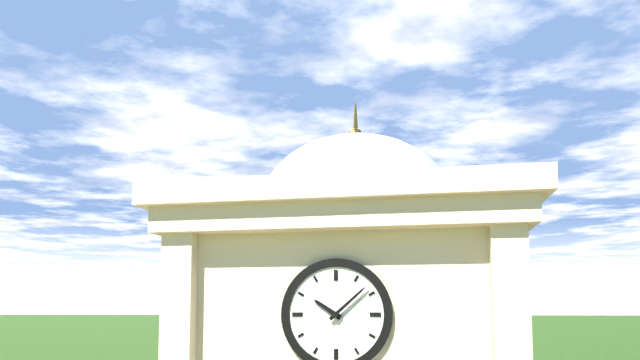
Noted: **10:08**
